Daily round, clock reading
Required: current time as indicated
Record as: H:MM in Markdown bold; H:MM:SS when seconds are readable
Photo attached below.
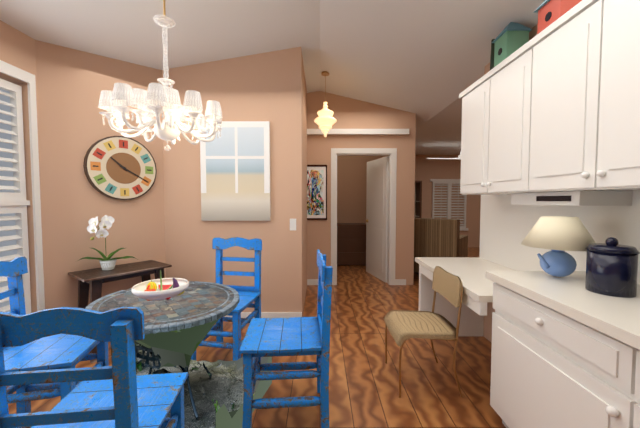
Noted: **10:20**
